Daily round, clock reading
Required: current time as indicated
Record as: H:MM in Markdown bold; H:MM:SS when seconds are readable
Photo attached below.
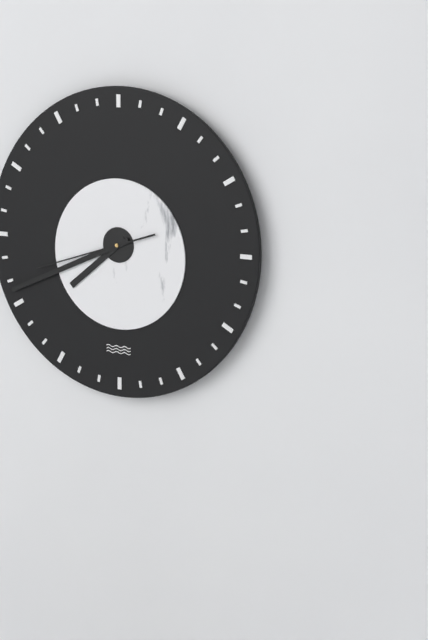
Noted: **7:41:42**
